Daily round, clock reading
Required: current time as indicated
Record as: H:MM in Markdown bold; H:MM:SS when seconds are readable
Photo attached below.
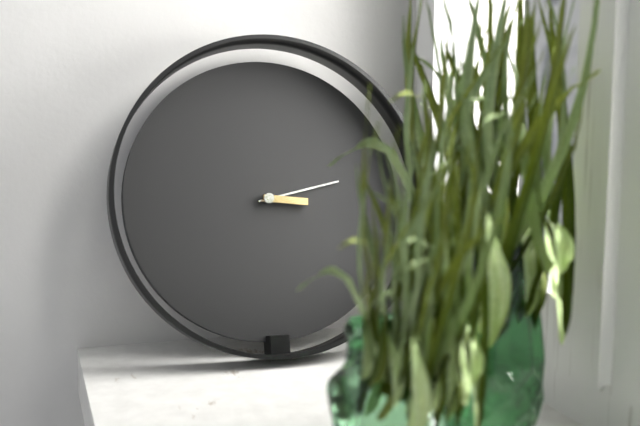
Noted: **3:13**
